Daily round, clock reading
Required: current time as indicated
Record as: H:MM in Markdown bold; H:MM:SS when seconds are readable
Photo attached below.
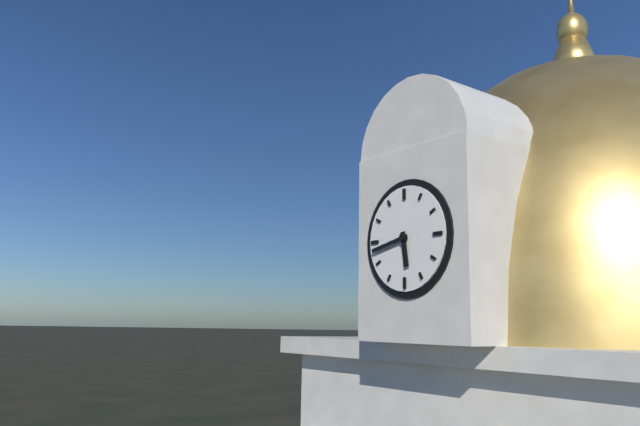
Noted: **5:43**
